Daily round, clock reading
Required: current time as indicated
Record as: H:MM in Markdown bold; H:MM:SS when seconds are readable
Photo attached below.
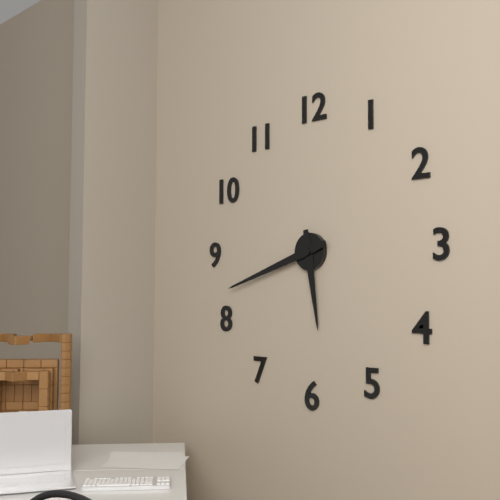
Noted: **5:42**
